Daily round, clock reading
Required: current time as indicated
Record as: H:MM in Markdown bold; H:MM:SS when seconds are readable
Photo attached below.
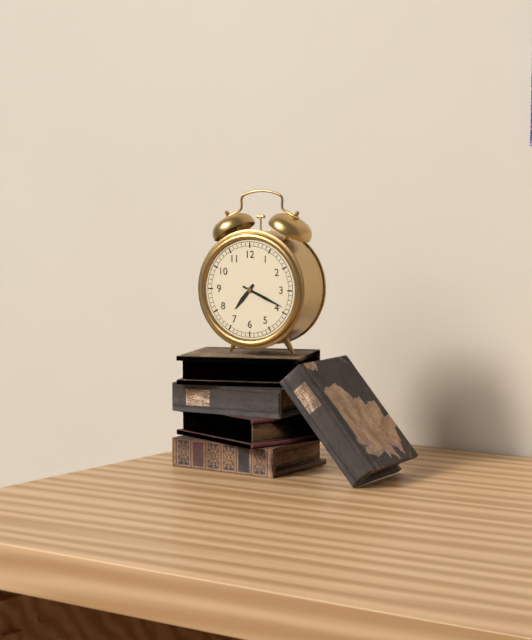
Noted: **7:19**
